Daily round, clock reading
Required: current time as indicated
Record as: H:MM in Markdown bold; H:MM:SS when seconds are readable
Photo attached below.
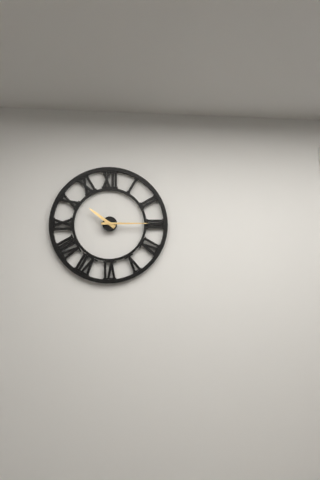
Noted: **10:15**
